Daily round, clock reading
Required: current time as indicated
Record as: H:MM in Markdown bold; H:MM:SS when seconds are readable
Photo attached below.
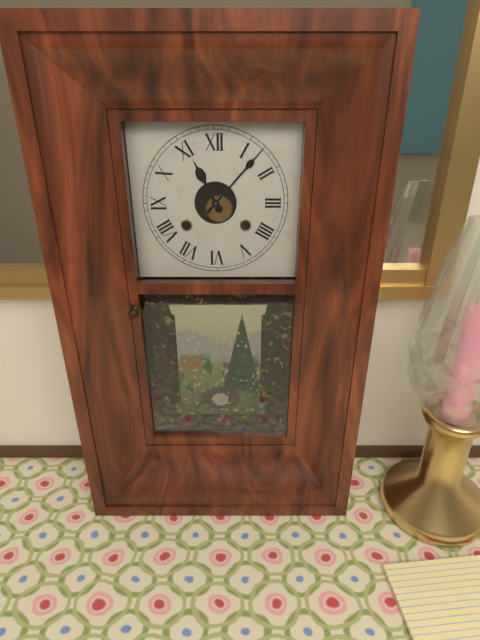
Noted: **11:07**
